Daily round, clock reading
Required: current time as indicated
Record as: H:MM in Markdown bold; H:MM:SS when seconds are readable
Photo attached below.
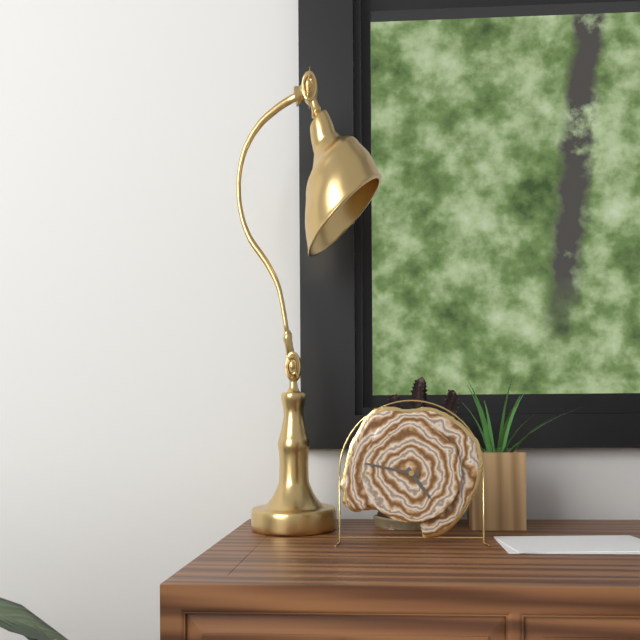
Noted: **4:47**
